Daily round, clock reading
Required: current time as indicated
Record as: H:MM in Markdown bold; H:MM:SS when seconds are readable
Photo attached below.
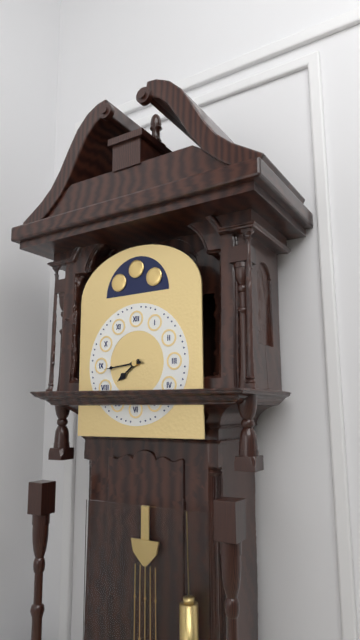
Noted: **7:44**
